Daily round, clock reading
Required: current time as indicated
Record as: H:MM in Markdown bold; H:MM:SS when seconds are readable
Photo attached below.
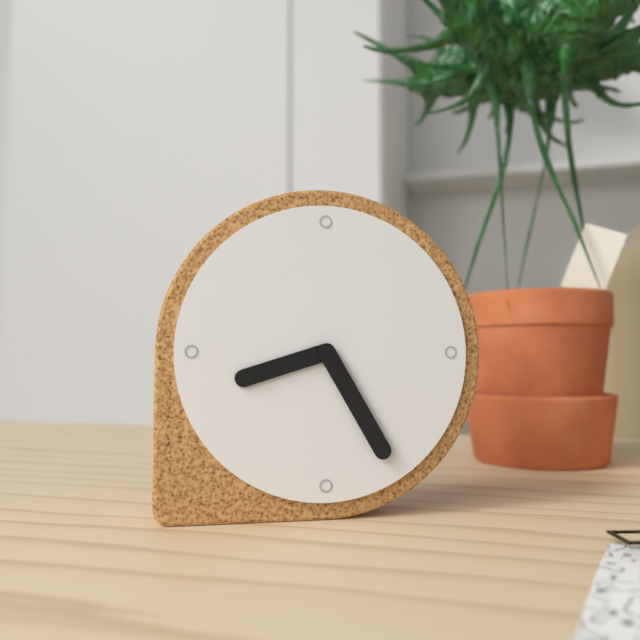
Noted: **8:25**
